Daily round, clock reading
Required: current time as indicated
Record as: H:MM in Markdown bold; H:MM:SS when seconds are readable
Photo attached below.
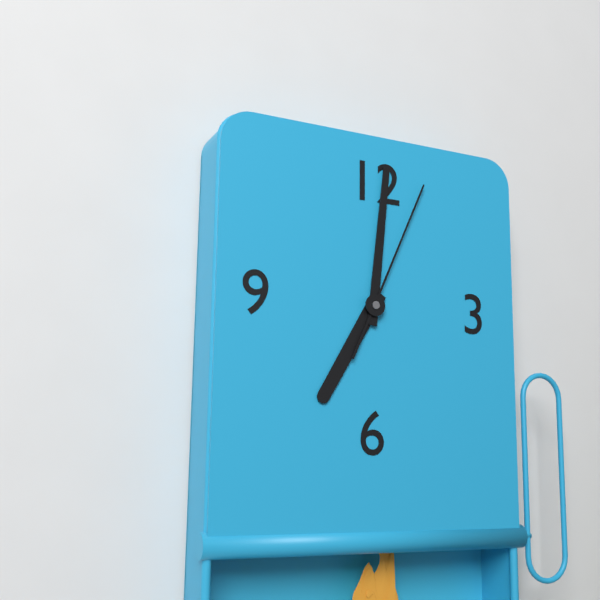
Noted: **7:01:04**
